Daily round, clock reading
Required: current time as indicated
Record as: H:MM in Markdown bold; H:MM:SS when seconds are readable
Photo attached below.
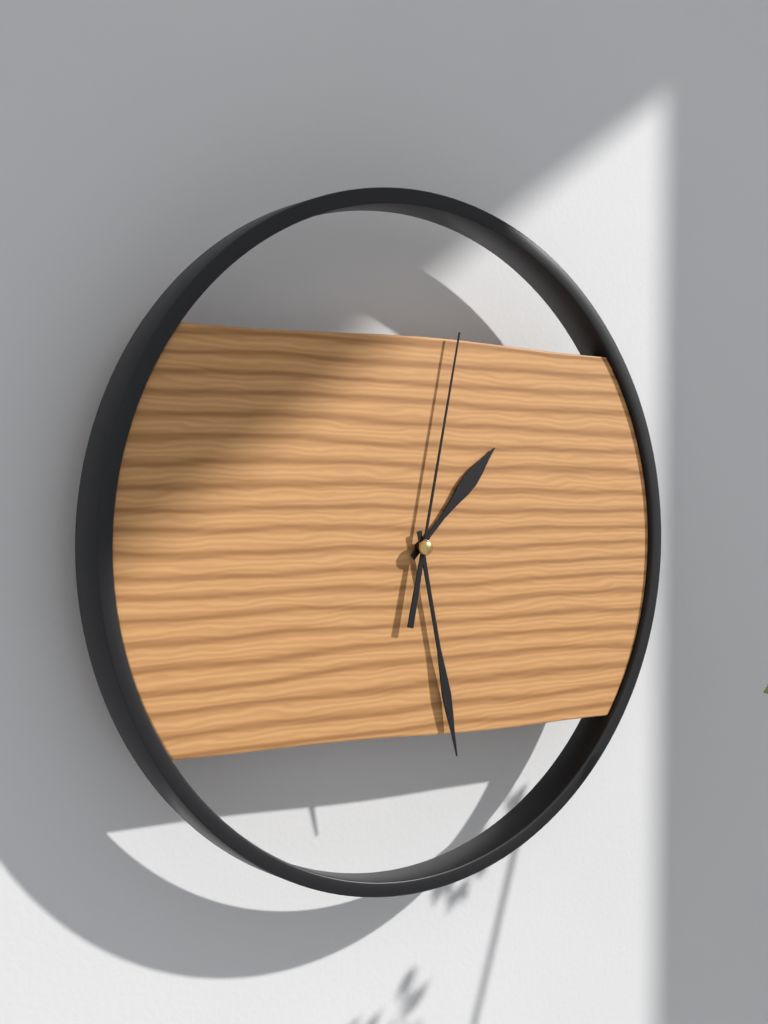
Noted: **1:28:02**
